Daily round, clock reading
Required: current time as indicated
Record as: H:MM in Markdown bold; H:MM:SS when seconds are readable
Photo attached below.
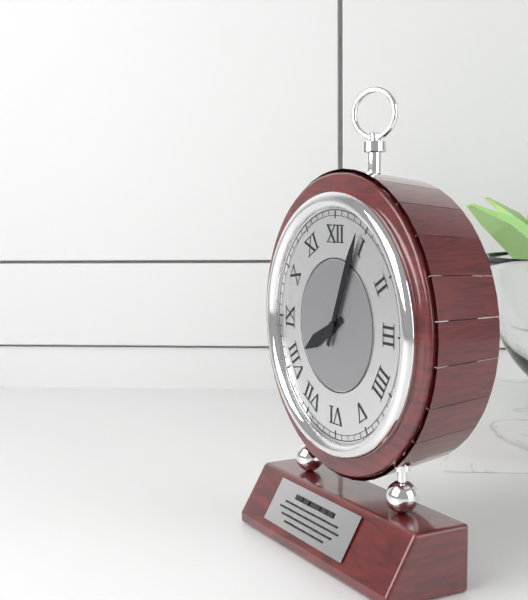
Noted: **8:04**
